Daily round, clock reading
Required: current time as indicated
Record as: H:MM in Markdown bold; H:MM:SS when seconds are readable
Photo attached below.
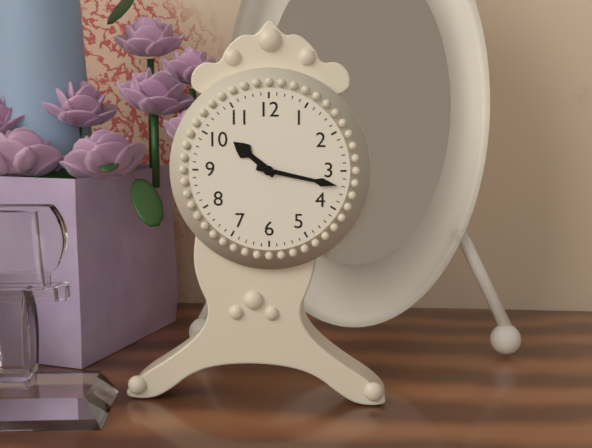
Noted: **10:17**
